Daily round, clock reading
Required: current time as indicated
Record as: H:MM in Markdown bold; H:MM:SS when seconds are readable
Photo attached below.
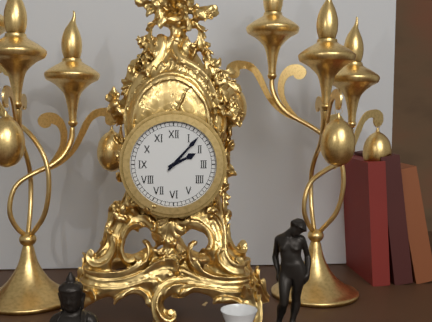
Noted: **2:07**
